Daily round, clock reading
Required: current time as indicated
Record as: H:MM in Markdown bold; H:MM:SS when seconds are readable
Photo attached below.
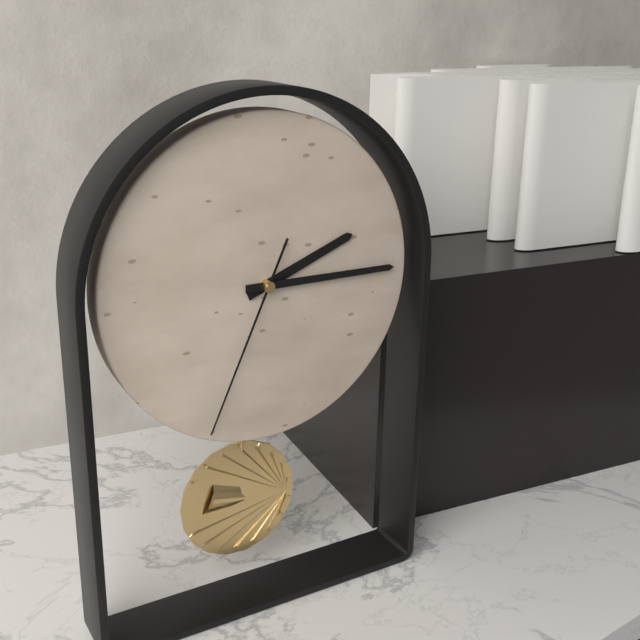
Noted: **2:15:34**
